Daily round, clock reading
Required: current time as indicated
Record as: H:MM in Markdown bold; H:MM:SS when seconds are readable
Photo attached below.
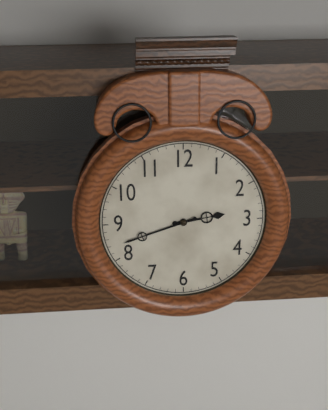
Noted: **2:42**
